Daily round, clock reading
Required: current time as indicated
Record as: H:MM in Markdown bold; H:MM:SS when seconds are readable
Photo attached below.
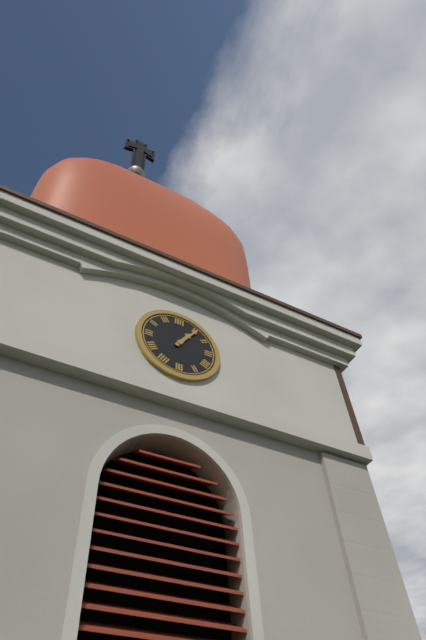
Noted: **1:06**
